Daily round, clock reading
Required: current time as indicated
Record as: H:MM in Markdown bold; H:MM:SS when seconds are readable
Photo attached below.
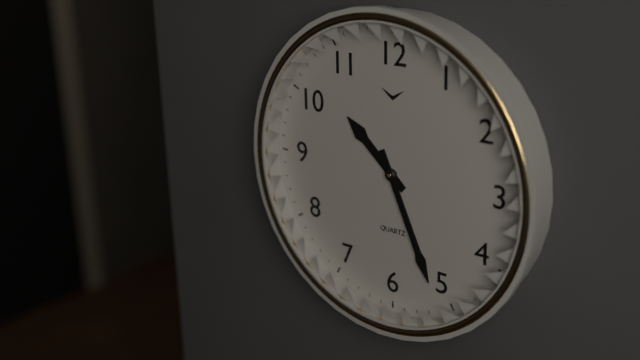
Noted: **10:26**
